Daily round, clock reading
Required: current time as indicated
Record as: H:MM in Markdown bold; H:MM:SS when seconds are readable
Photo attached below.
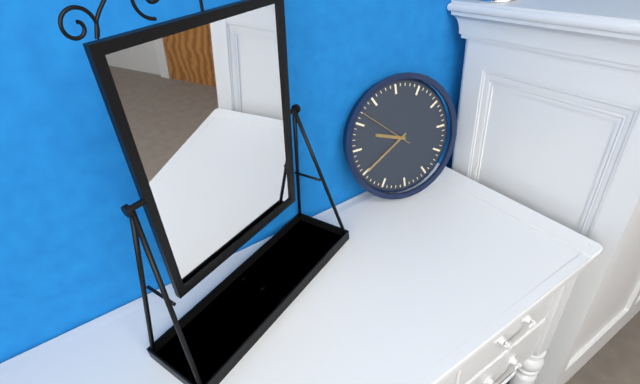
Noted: **9:40:52**
